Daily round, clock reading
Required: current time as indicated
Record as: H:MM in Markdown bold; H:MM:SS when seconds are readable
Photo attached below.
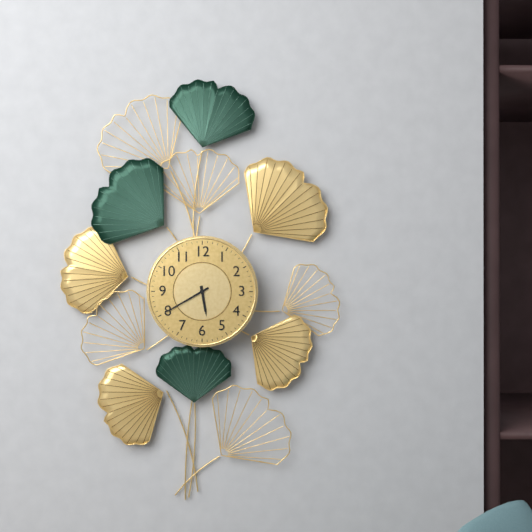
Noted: **5:40**
